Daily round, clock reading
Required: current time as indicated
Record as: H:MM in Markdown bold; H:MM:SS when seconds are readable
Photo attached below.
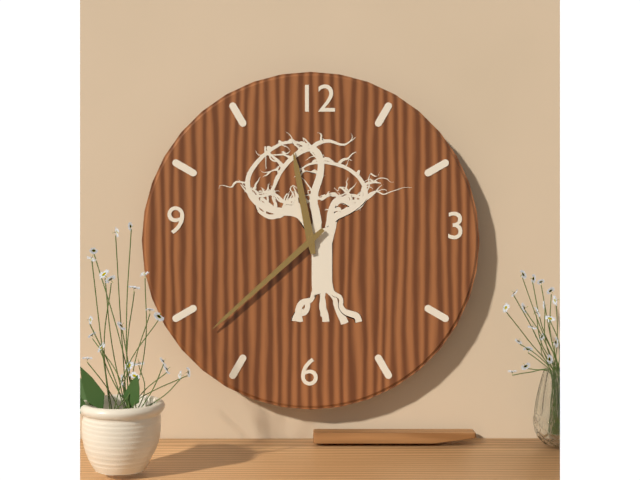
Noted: **11:38**
